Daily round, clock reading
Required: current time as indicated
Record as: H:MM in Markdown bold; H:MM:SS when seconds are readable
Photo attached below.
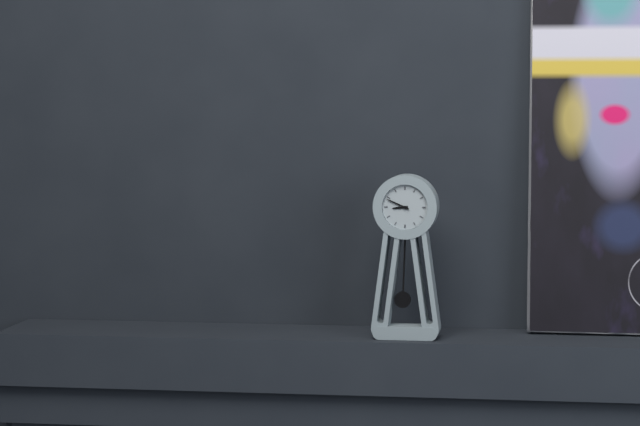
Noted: **8:49**
